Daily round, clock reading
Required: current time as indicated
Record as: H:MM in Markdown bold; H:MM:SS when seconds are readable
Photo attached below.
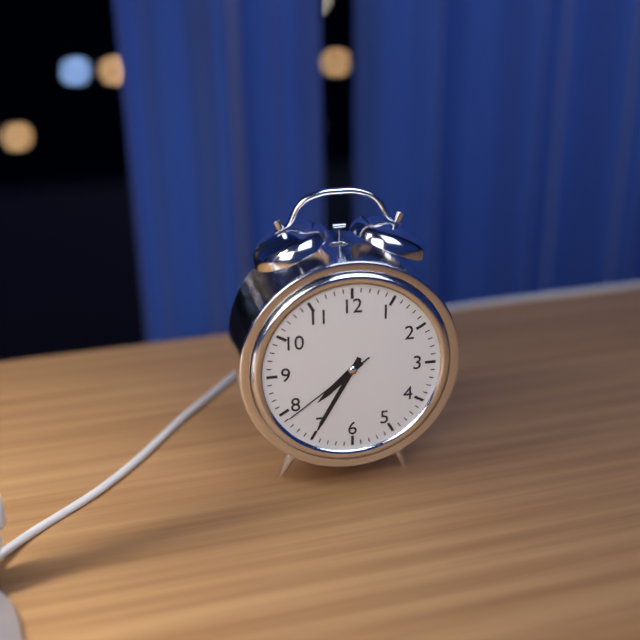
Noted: **7:35:39**
